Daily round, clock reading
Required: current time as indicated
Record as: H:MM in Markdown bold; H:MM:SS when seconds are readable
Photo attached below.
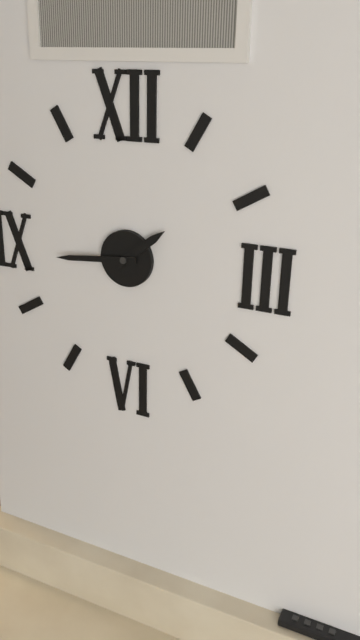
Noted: **1:44**
